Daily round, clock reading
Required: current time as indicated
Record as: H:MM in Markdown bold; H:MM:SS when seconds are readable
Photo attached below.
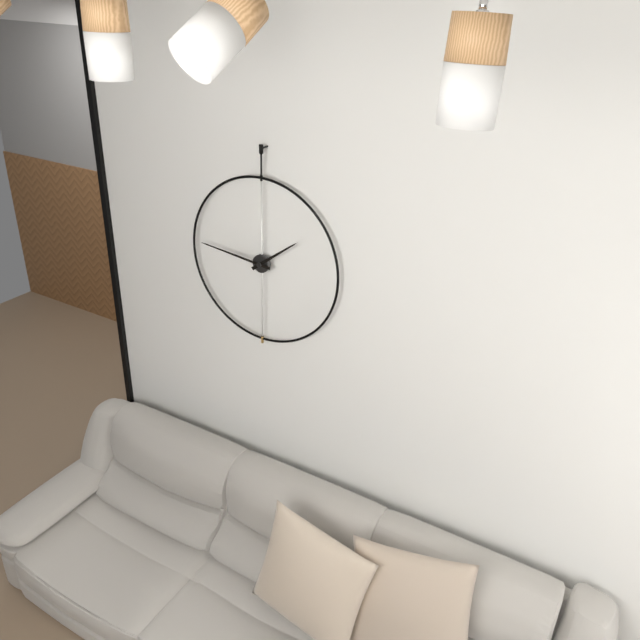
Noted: **1:46**
